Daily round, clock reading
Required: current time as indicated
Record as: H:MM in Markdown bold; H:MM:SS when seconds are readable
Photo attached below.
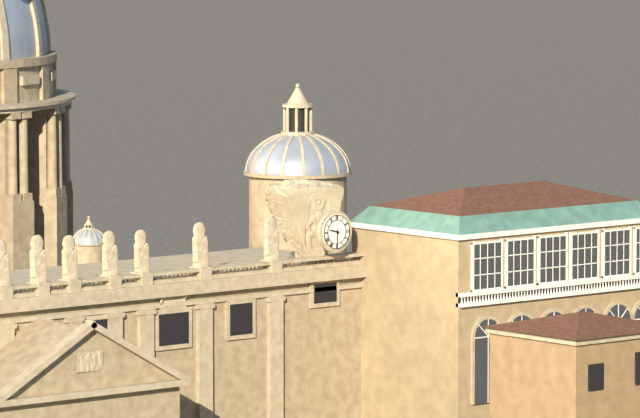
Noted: **9:30**
